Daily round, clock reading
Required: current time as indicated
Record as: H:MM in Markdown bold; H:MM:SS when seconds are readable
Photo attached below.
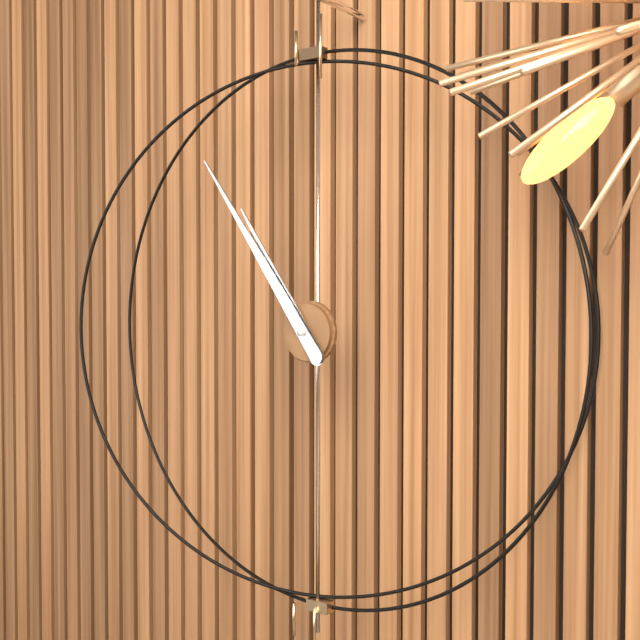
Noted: **10:54**
